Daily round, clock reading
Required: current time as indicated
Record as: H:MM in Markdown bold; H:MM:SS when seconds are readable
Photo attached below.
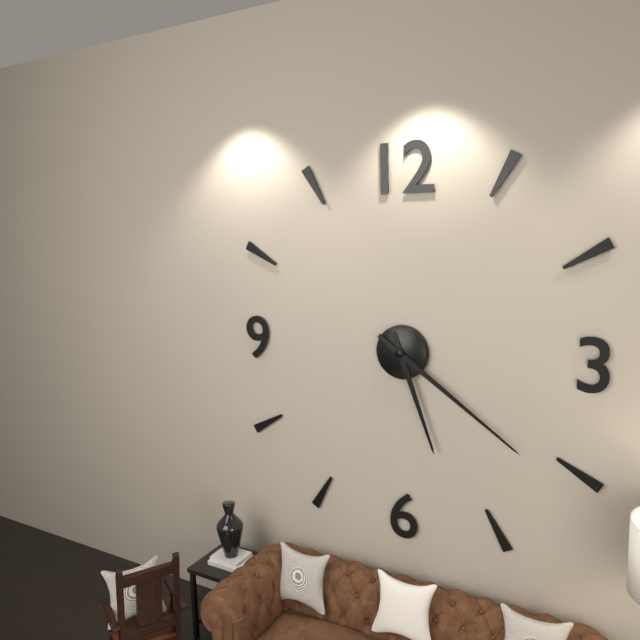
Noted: **5:21**
